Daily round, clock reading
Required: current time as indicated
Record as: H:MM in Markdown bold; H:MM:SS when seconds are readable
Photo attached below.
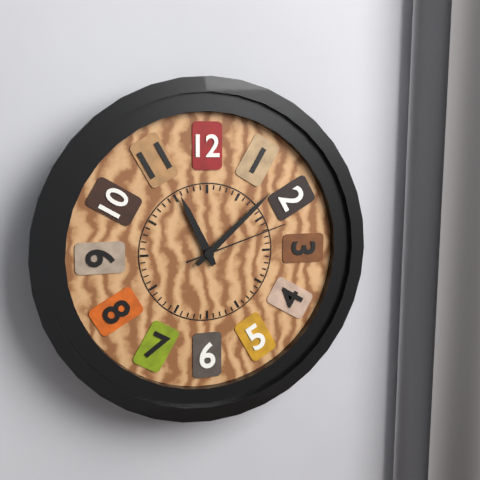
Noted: **11:08:12**
